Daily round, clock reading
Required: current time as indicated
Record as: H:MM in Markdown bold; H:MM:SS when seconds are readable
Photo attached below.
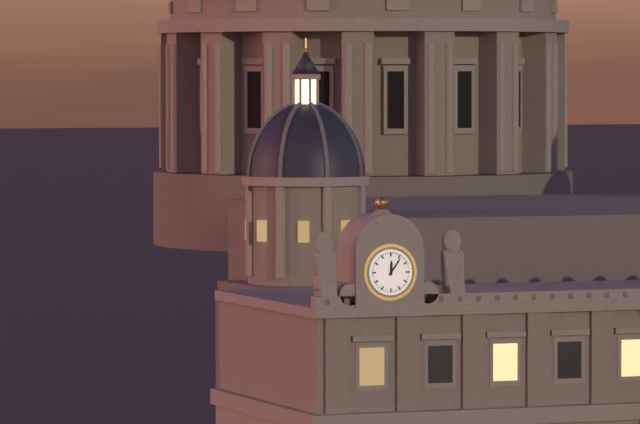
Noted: **12:06**
